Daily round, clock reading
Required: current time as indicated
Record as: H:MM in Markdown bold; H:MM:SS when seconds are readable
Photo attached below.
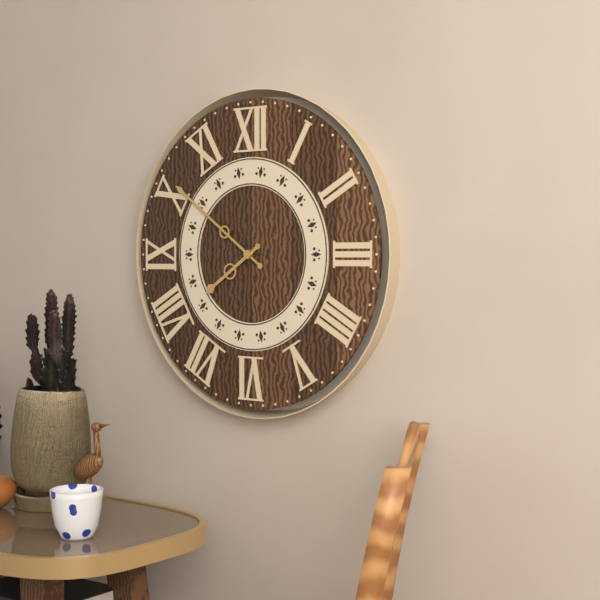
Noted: **7:51**
